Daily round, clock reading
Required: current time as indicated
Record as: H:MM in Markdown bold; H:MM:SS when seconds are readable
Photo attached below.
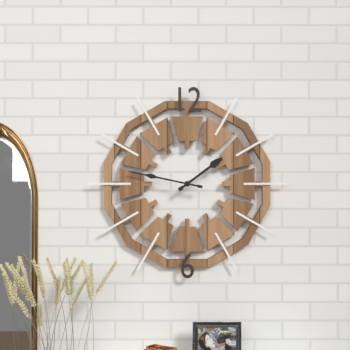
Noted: **1:47**
